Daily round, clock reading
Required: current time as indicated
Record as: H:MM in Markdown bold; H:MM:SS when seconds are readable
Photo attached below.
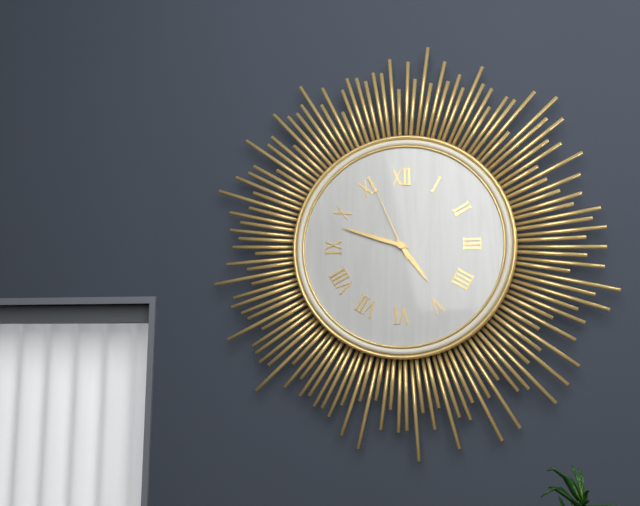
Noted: **4:48:56**
